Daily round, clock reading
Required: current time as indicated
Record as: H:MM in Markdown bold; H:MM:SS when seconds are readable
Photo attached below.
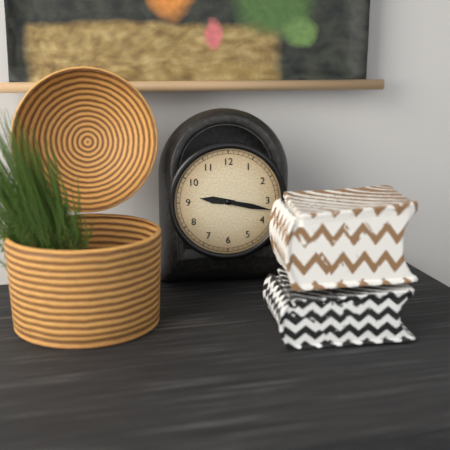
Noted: **9:17**
